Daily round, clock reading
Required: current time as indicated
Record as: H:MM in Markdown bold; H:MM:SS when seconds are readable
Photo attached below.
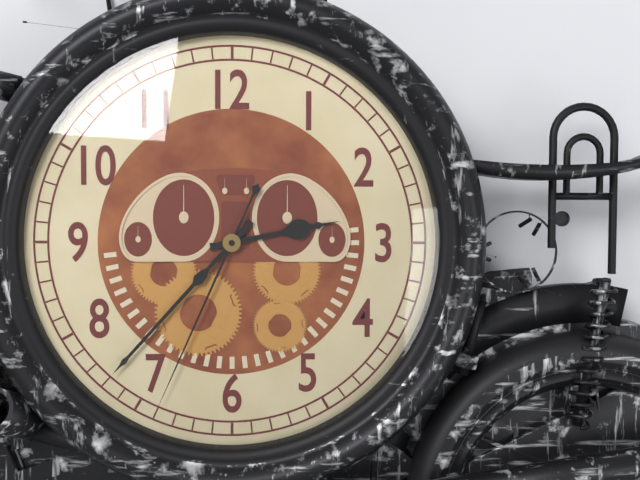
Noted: **2:37:34**
